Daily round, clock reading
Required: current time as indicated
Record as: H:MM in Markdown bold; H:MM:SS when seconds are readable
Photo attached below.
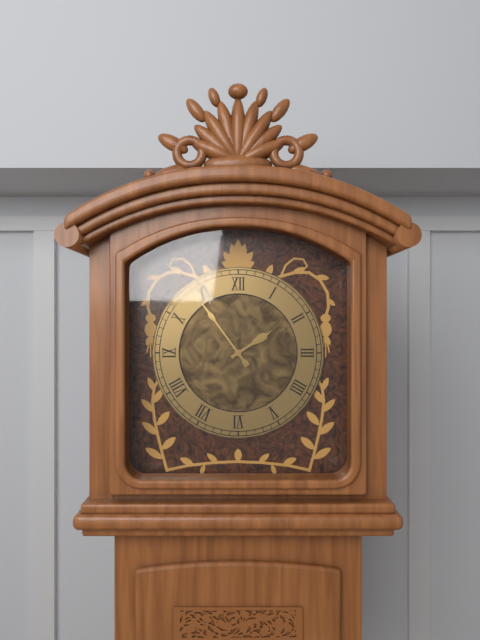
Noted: **1:54**
